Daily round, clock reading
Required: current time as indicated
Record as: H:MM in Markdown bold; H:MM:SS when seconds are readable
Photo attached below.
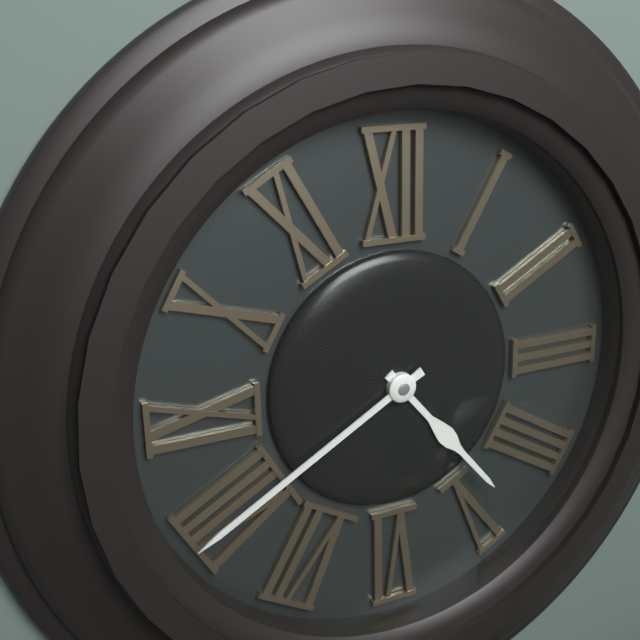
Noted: **4:40**
